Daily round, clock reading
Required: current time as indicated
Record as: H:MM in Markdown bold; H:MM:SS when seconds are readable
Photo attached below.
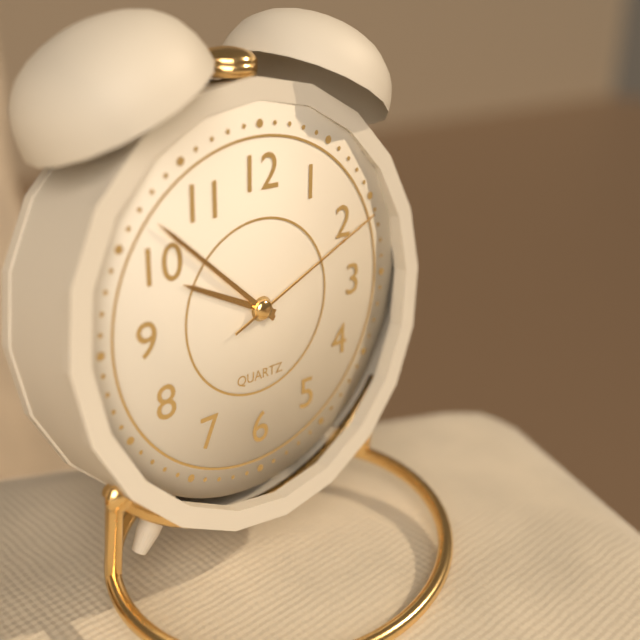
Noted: **9:52:11**
